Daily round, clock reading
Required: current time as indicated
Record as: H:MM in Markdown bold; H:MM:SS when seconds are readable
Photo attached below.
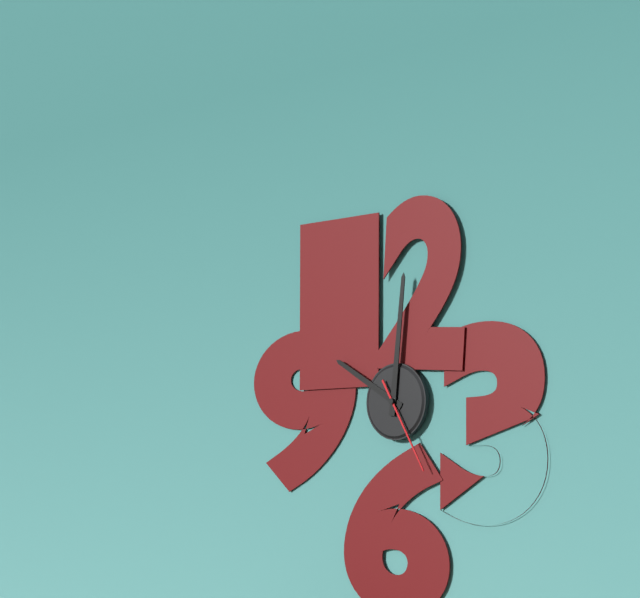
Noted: **10:01:25**
